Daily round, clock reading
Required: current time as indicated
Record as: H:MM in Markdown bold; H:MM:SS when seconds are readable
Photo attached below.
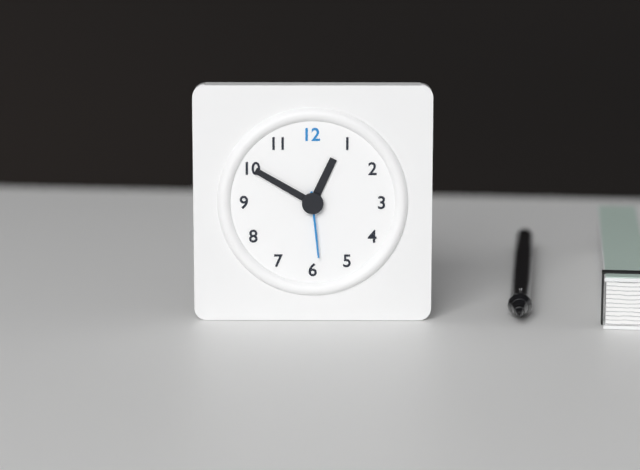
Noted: **12:50:29**
